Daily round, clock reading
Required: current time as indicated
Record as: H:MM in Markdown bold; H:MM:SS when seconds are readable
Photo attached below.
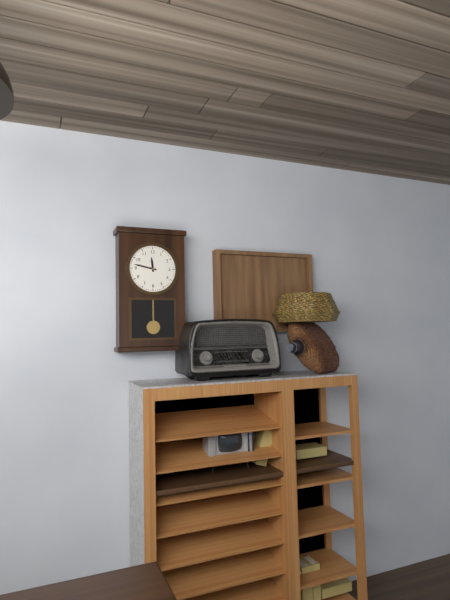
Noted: **11:47**
